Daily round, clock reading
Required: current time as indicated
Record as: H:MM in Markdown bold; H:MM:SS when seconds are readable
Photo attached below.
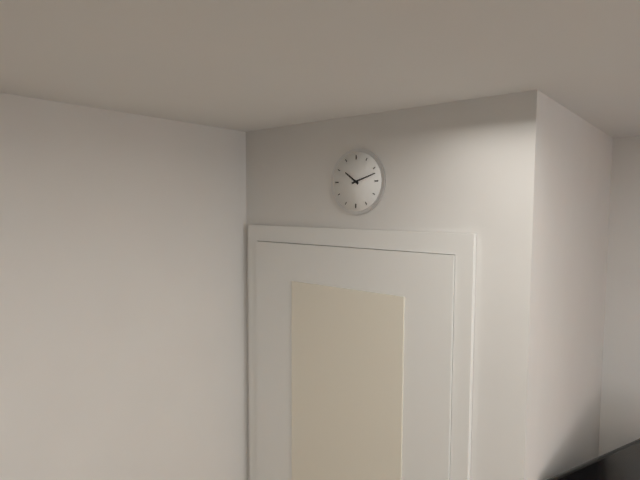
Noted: **10:12**
